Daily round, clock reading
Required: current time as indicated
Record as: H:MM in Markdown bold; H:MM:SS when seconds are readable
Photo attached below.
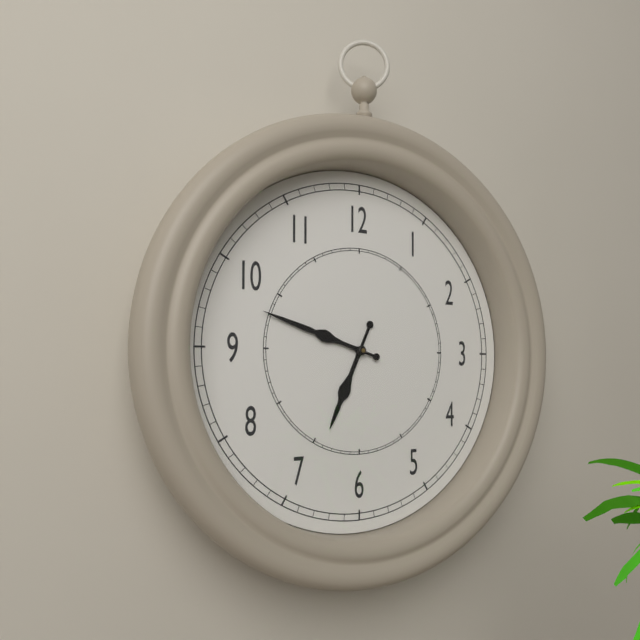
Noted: **6:48**
